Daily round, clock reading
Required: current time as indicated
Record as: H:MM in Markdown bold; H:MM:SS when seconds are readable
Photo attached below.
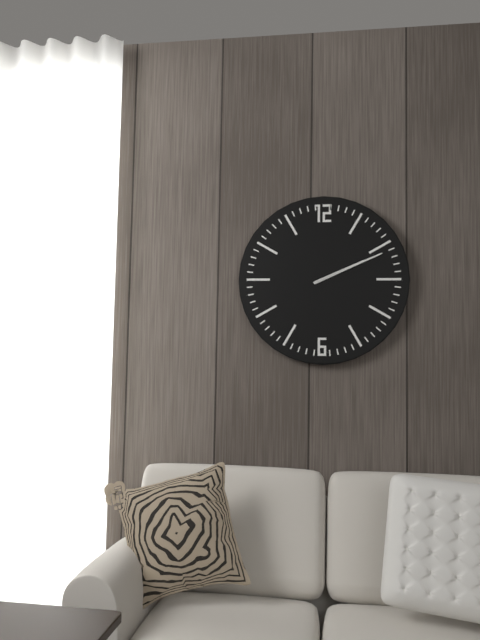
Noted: **2:11**
